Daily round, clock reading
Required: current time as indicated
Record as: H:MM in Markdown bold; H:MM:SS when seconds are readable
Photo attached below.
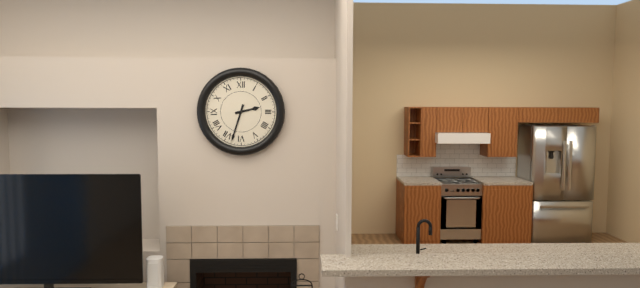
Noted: **2:33**
